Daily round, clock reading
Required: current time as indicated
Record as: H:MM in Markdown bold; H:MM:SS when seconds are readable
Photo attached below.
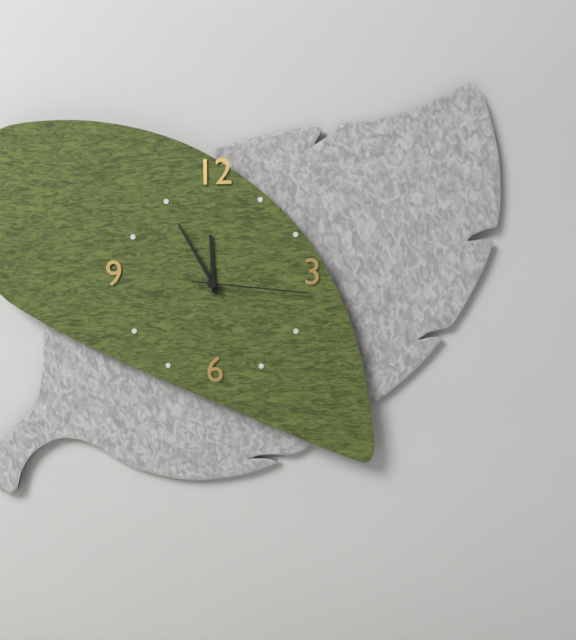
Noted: **11:55:16**
